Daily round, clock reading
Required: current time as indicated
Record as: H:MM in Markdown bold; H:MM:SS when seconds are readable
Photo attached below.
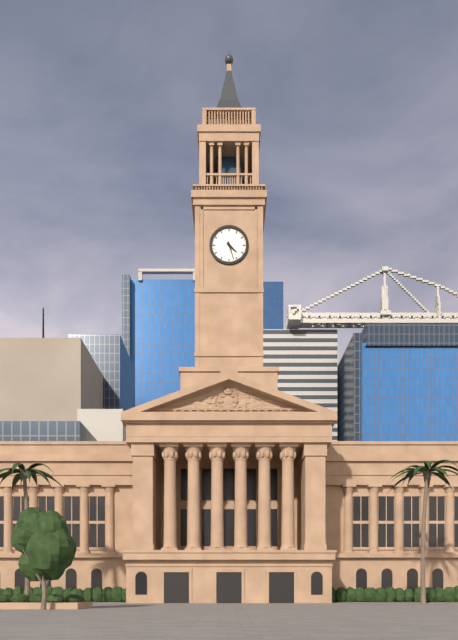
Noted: **4:27**
